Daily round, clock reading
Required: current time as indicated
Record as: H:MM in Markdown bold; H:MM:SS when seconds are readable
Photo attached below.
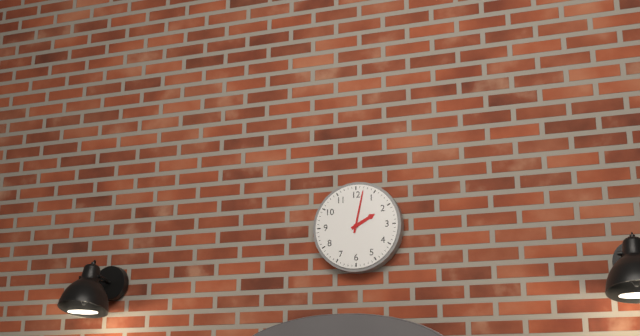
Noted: **2:02**
